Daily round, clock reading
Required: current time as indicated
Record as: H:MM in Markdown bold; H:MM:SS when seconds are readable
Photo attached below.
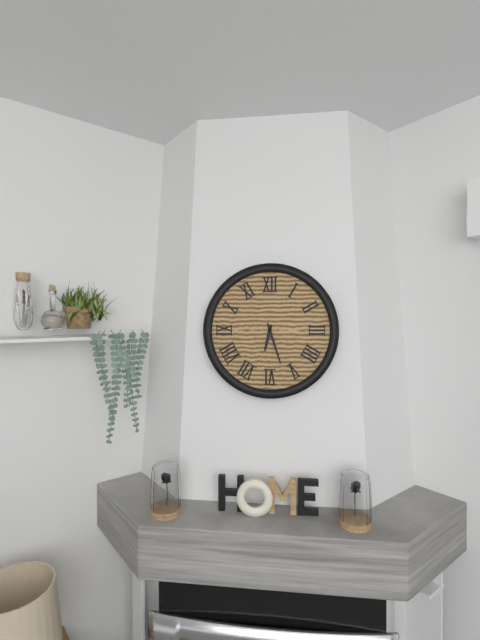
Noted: **6:27**
